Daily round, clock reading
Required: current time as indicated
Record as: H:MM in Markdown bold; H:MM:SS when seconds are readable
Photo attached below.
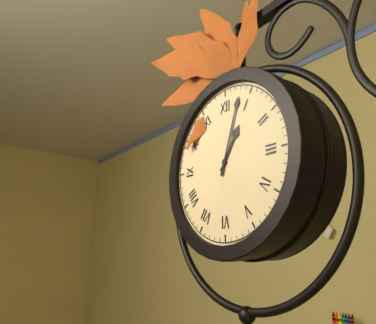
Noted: **1:03**
